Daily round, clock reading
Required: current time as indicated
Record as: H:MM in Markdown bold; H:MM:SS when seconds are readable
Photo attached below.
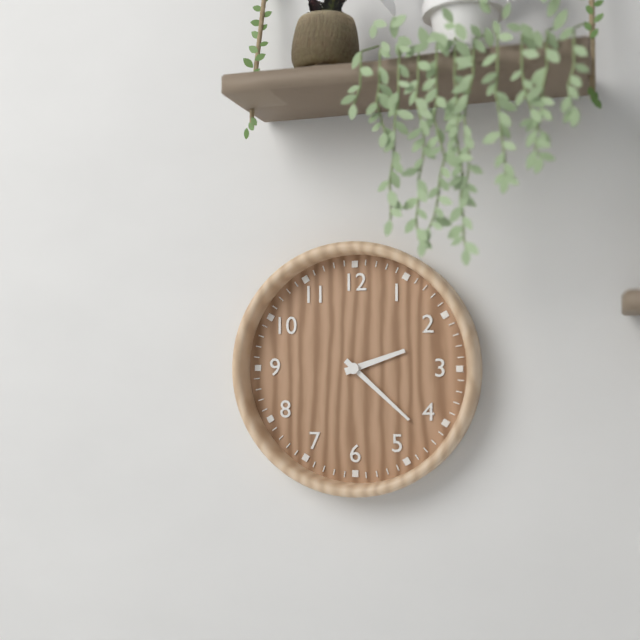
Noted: **2:22**
